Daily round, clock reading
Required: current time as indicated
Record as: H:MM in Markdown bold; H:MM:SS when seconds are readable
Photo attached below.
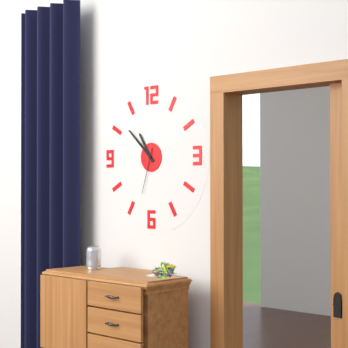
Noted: **10:52**
